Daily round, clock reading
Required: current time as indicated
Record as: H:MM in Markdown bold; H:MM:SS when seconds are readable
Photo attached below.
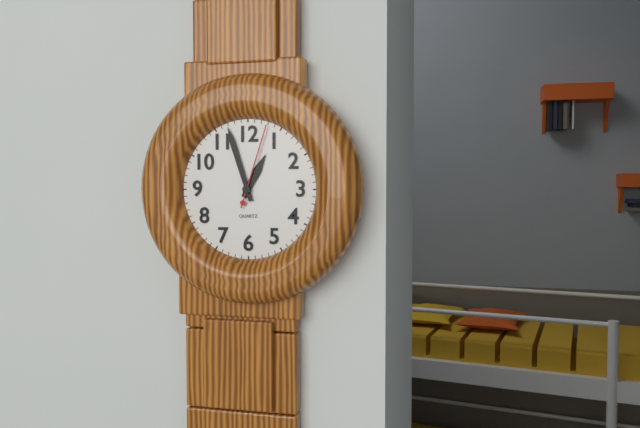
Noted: **12:57:03**
